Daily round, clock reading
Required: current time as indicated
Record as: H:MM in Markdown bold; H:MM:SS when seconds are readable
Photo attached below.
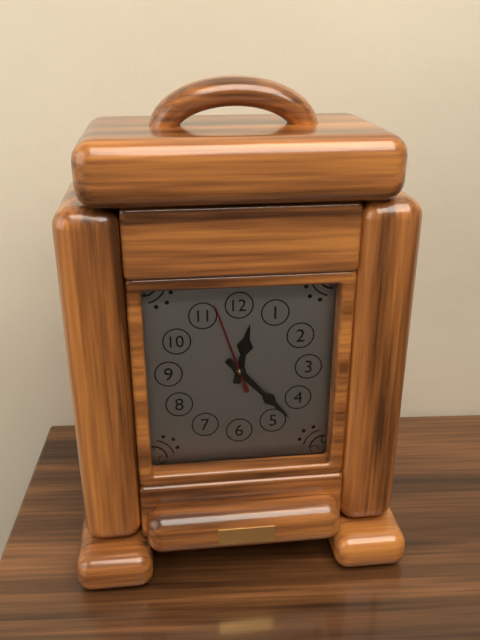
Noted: **12:23:57**
